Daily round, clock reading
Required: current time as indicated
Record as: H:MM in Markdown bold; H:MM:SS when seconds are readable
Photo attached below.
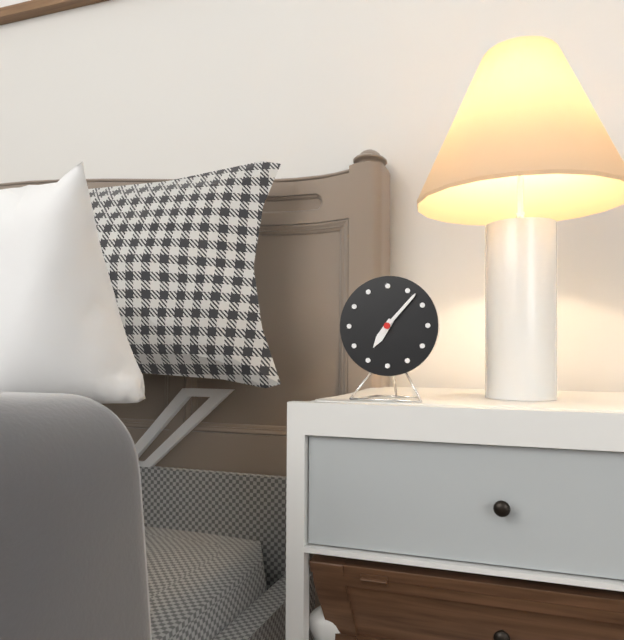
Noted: **7:07**
